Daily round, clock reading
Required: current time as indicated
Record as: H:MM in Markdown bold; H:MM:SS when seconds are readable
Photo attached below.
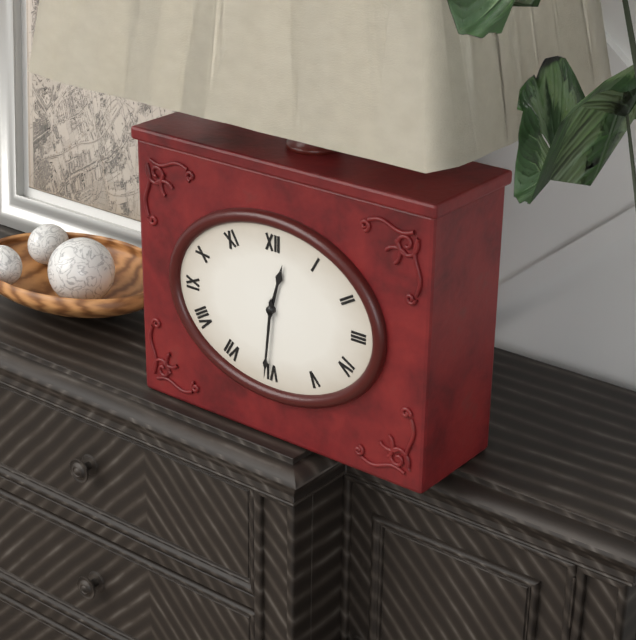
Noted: **12:31**
